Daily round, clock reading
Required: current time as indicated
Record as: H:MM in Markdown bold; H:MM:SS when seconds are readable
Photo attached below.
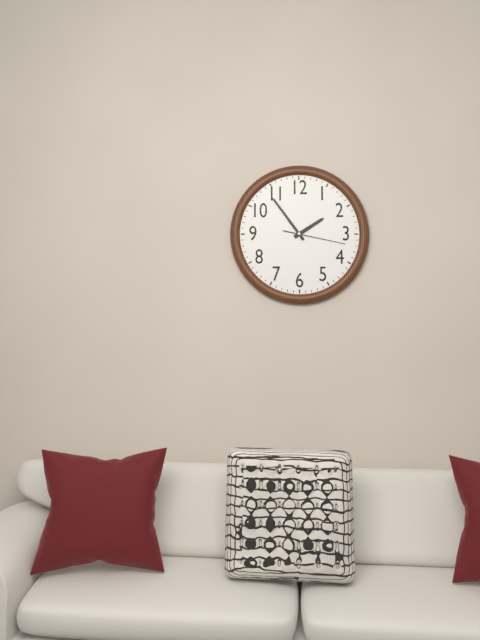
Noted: **1:54:17**
